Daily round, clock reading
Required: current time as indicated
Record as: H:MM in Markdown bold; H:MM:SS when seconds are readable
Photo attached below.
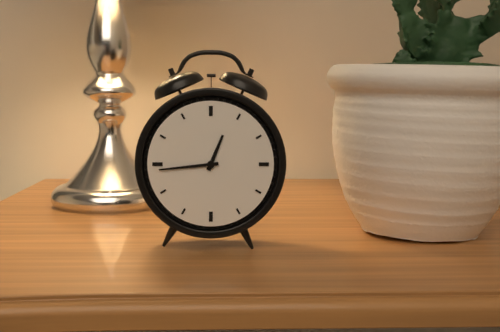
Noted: **12:44**
